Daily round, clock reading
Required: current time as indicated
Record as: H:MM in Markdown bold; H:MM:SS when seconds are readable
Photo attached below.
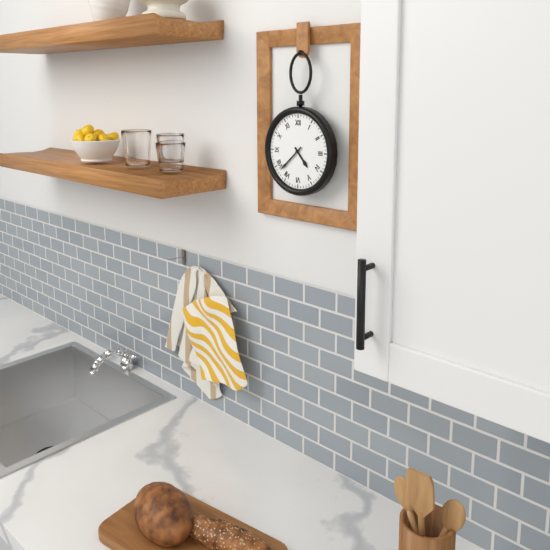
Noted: **4:38**
